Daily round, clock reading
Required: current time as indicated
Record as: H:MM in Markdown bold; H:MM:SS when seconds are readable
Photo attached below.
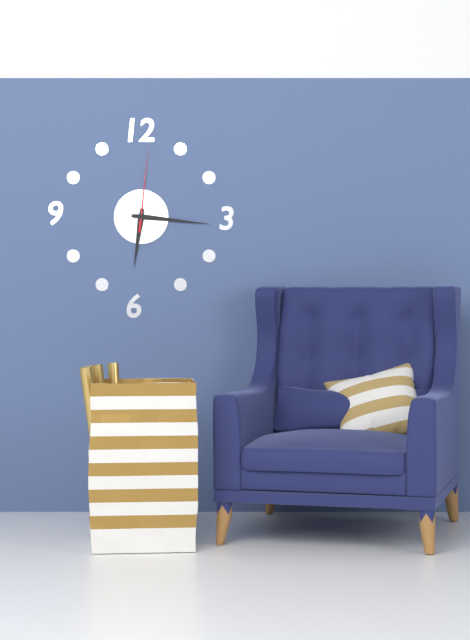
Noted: **6:16:01**
